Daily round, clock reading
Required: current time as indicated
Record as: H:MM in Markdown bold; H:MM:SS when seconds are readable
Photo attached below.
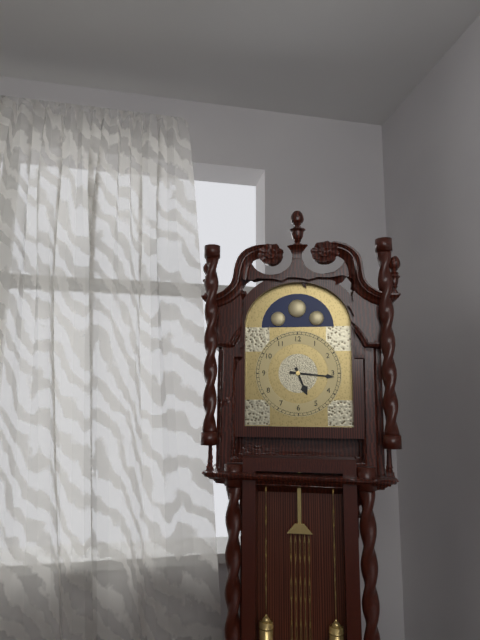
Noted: **5:16**
